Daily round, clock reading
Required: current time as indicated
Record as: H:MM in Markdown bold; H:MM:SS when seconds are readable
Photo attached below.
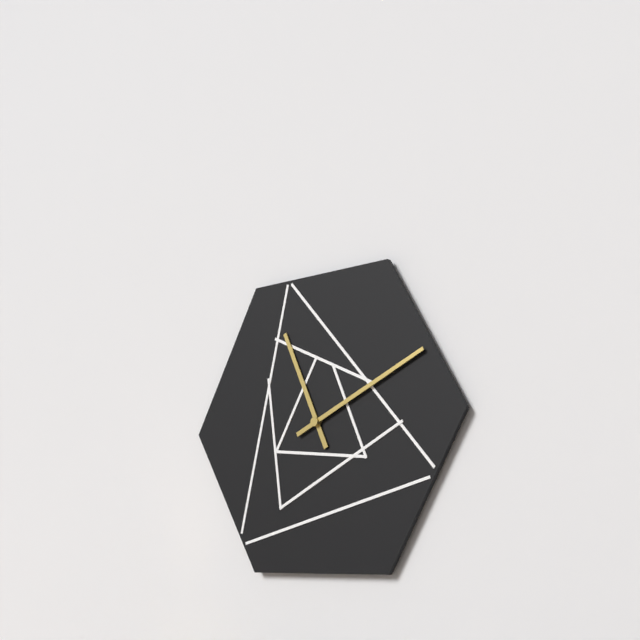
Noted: **11:11**
